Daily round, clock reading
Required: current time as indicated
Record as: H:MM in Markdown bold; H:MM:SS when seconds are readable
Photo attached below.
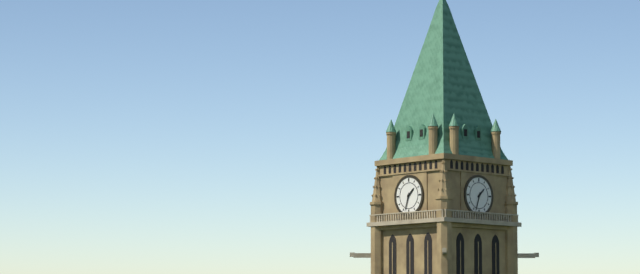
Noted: **1:33**
